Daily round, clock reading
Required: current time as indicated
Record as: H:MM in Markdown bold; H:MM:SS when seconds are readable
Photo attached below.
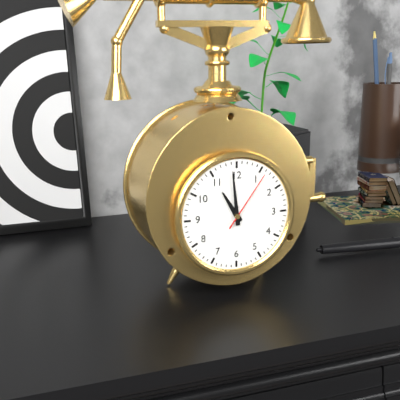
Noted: **10:59:06**
